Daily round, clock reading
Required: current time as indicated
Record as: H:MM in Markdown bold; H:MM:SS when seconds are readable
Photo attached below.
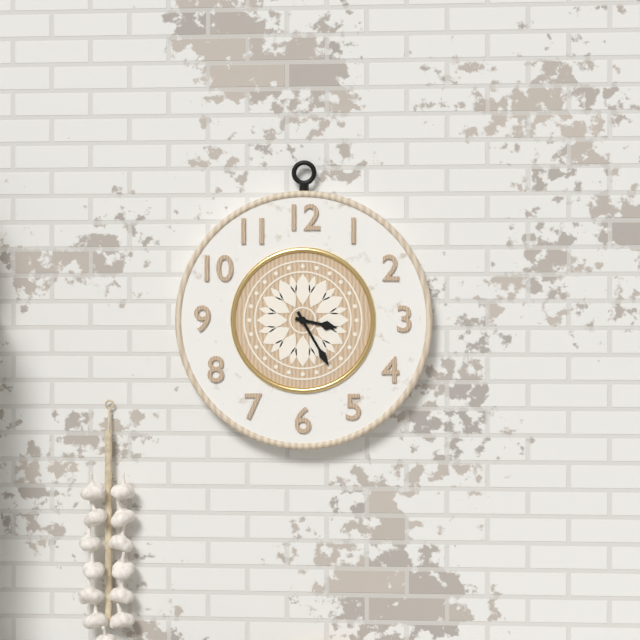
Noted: **3:25**
